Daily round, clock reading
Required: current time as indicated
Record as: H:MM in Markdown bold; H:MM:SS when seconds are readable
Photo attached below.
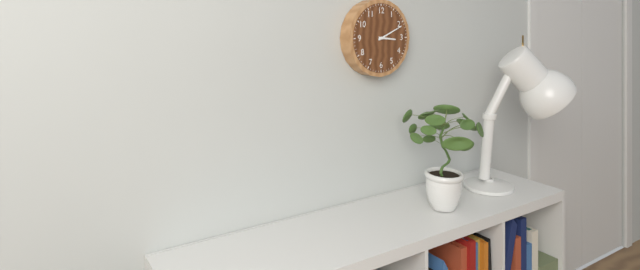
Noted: **3:11**
